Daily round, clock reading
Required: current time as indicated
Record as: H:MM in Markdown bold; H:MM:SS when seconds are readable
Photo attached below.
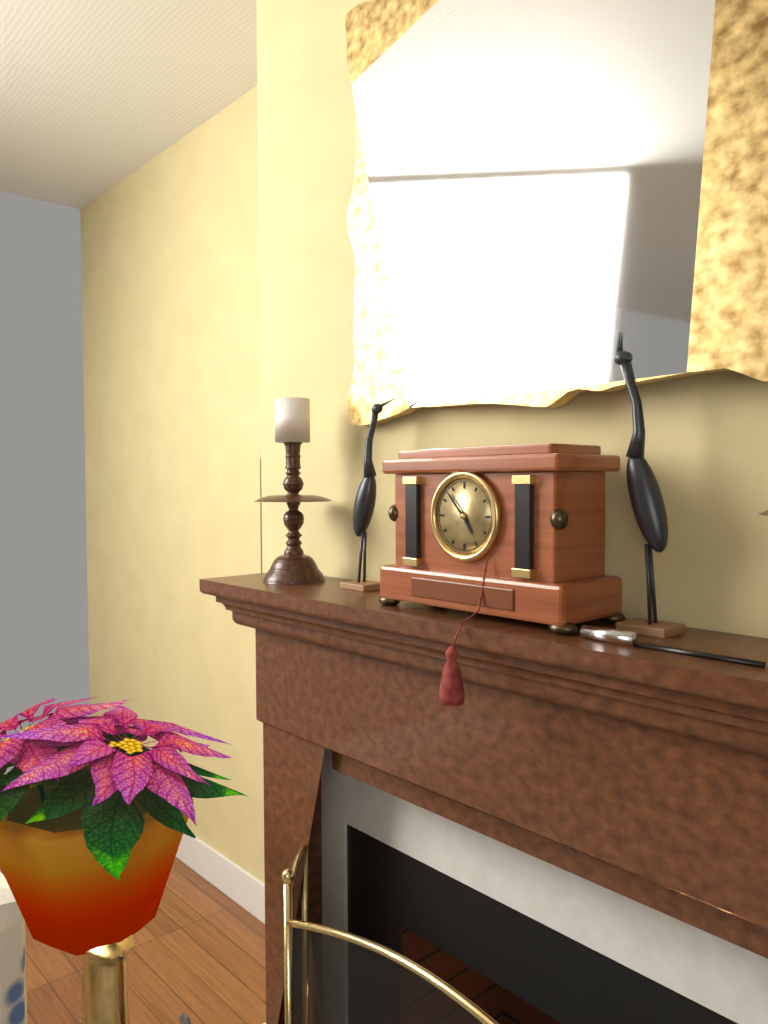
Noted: **4:53**
